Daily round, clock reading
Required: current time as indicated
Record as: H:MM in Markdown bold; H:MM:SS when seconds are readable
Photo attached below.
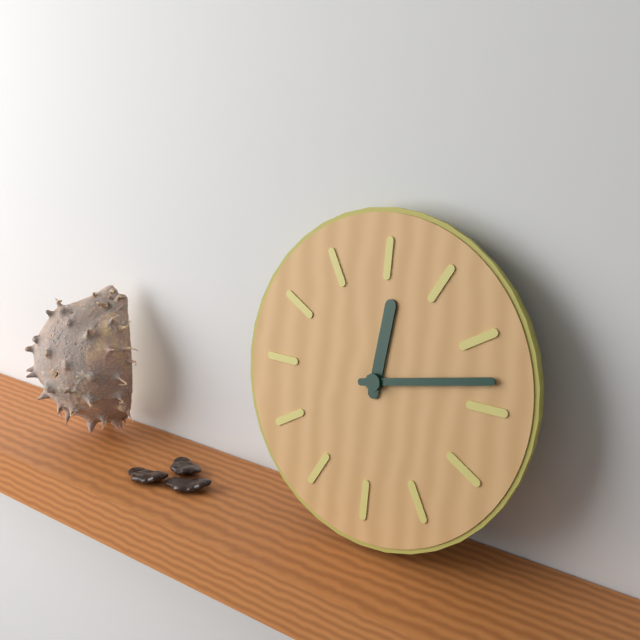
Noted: **12:13**
